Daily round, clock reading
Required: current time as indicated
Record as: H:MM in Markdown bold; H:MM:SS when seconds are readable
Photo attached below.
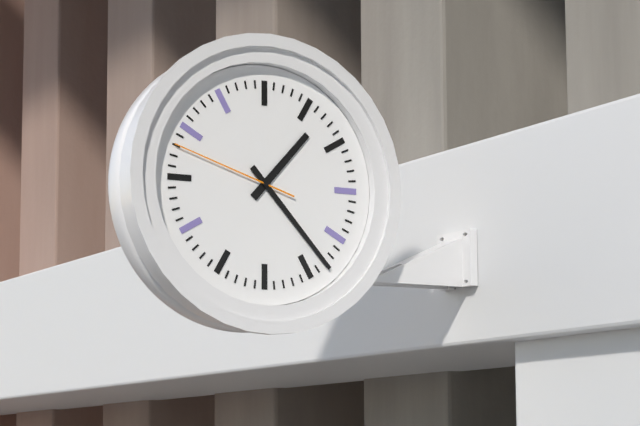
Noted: **1:23:48**
